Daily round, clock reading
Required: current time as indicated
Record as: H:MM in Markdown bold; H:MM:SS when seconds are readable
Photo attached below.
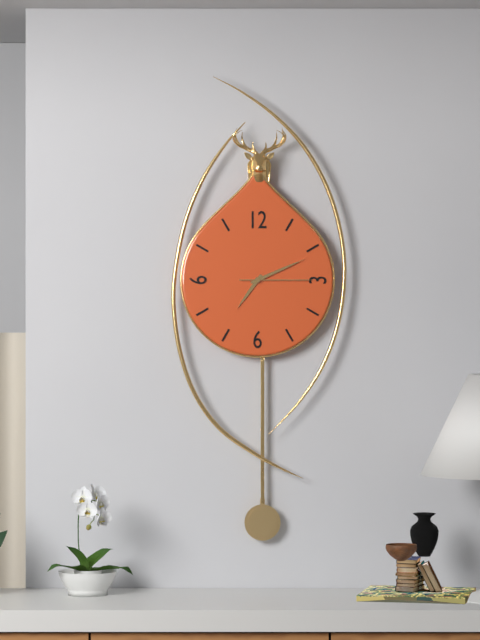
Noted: **7:11:15**
